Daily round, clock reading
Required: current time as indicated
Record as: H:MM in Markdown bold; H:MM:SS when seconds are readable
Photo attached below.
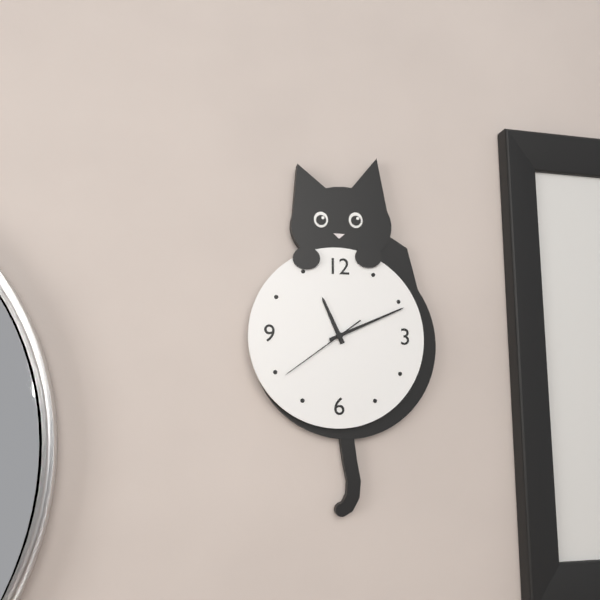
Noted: **11:11:39**
